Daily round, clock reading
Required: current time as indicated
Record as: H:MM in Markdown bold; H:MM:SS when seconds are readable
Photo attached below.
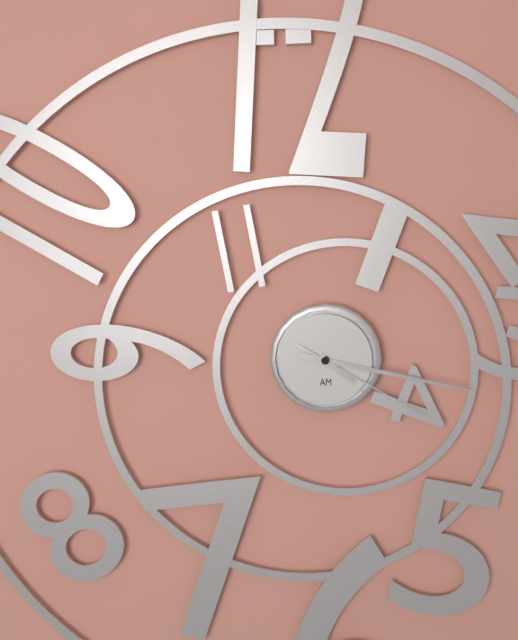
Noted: **4:17:20**
